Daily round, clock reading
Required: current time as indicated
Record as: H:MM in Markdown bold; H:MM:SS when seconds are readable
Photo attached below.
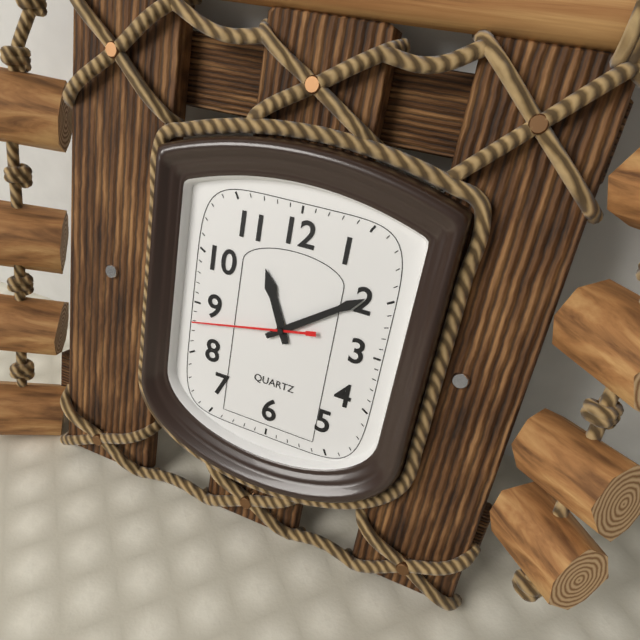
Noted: **11:09:43**
